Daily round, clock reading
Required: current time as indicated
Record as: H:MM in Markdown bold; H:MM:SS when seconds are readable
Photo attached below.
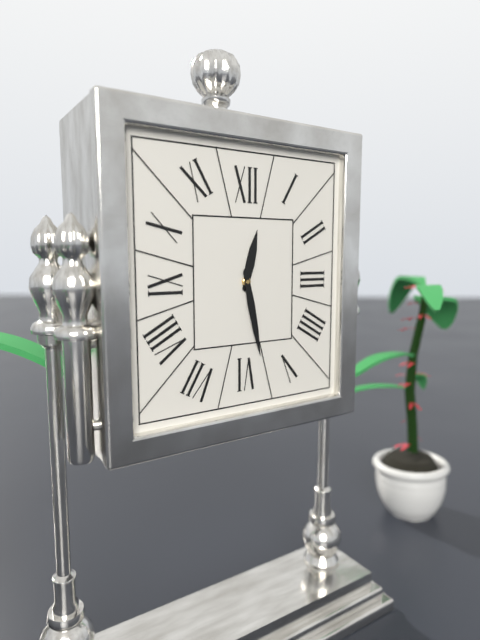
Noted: **12:28**
